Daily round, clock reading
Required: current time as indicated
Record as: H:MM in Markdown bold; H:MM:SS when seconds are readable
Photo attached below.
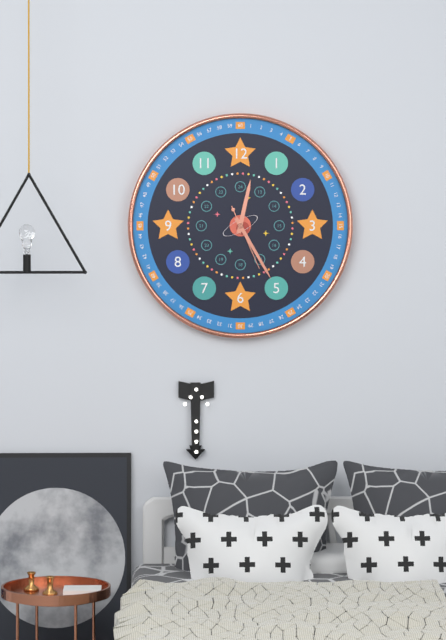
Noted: **12:25:26**
